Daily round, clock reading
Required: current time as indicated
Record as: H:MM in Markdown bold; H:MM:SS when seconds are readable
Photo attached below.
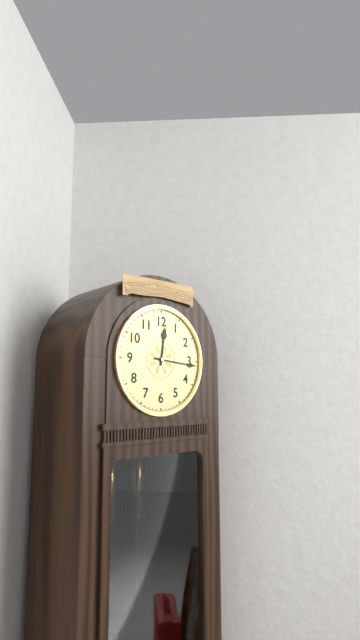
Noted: **12:16**
